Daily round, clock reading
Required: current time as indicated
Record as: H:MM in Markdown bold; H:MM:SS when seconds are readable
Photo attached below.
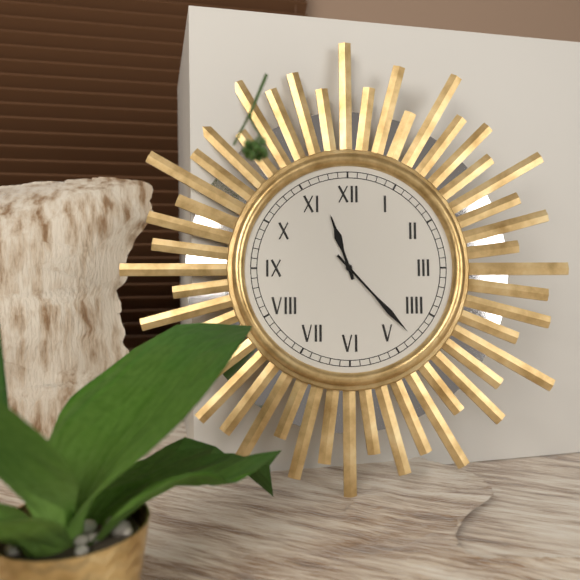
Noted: **11:23**
